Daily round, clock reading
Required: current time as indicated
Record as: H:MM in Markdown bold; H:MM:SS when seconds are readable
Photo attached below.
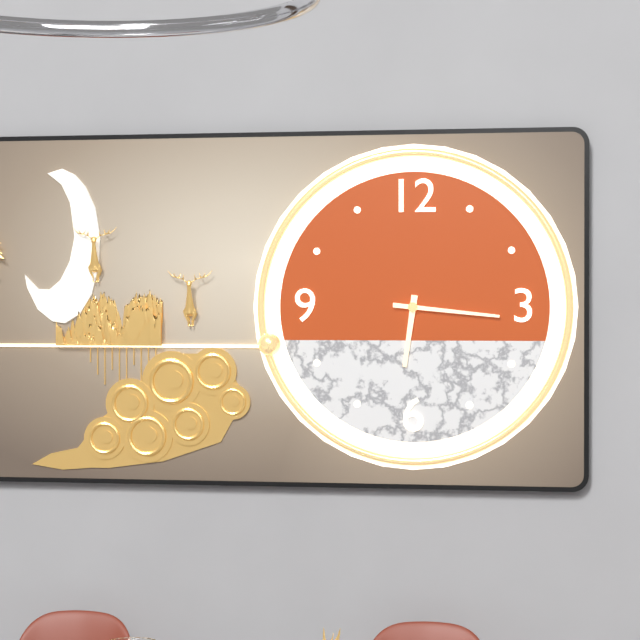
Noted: **6:16**
